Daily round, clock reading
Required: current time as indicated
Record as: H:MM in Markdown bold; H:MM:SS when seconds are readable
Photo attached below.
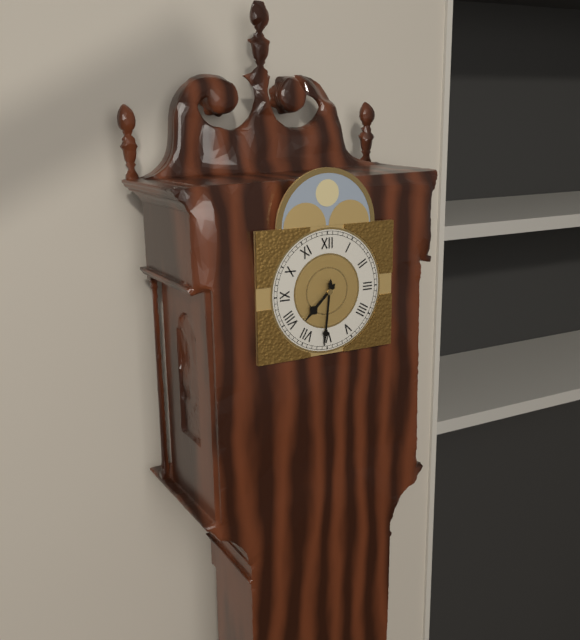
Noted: **7:31**
